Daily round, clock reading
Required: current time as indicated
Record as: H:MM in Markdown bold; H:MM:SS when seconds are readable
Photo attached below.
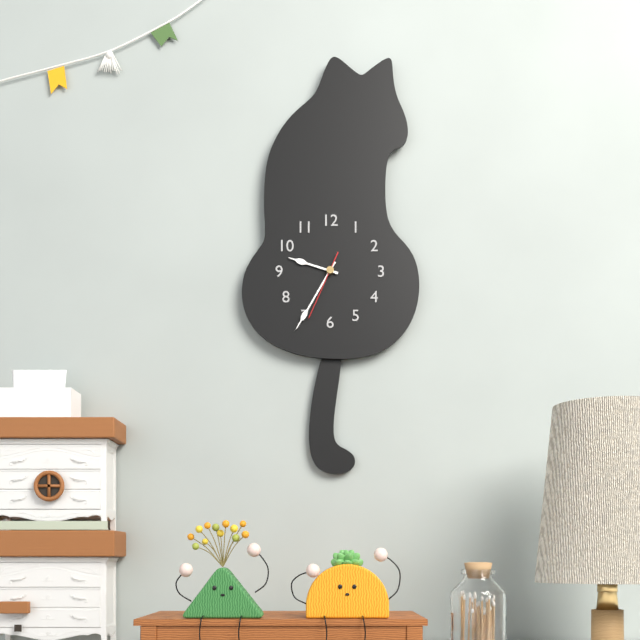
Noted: **9:35:34**
